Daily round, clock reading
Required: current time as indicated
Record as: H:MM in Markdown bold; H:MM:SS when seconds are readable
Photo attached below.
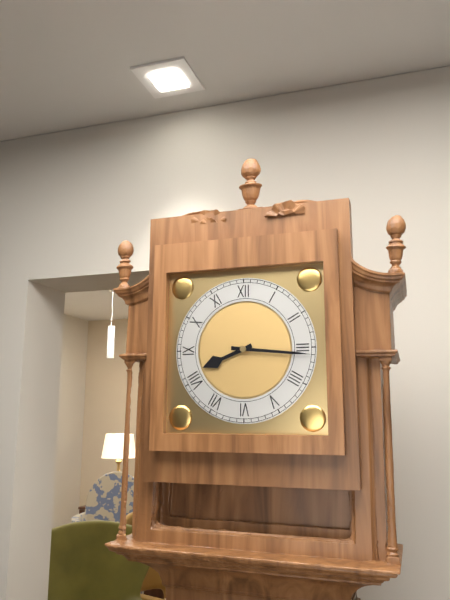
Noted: **8:16**
